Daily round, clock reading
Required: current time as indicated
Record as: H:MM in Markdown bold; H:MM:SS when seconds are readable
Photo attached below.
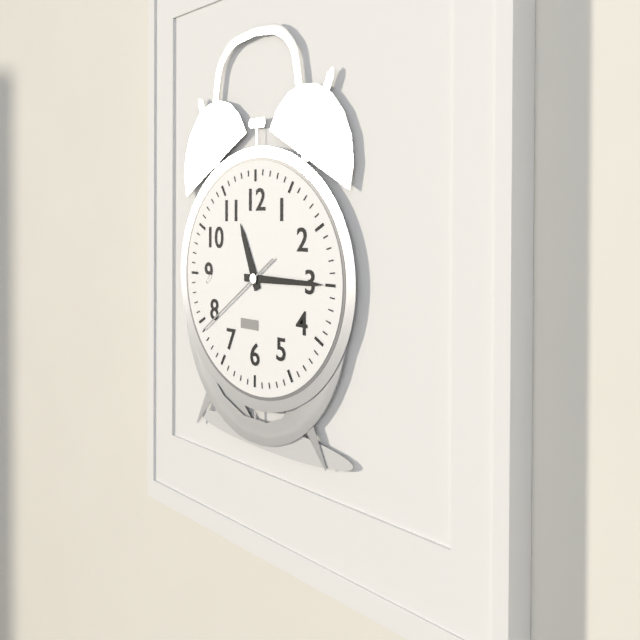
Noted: **11:15:39**
